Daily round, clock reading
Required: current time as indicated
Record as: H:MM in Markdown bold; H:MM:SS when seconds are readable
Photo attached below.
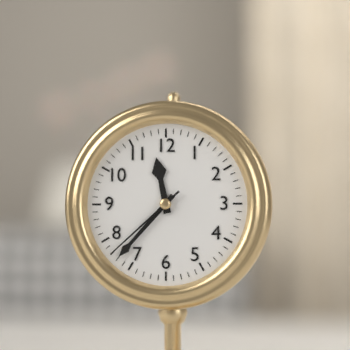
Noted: **11:37:38**
